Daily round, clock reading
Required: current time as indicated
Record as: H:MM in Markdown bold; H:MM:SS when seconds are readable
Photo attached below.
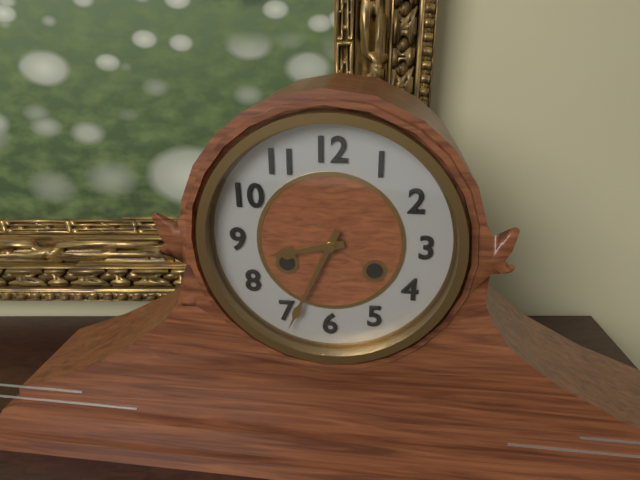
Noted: **8:34**
